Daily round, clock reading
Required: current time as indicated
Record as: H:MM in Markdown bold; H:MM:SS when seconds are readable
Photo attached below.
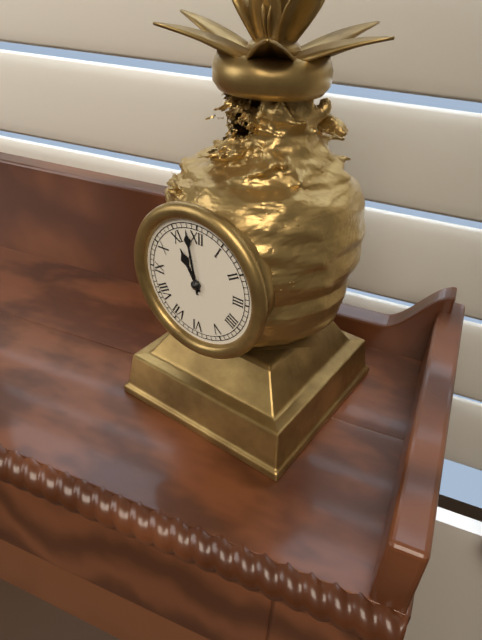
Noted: **10:58**
